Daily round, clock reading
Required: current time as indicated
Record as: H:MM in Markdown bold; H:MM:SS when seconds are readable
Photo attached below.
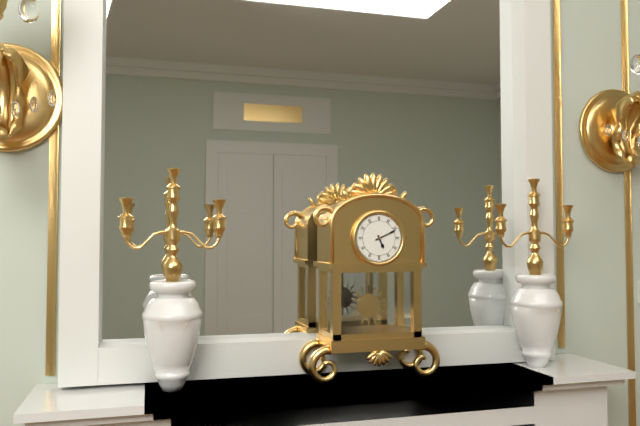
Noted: **5:11**
